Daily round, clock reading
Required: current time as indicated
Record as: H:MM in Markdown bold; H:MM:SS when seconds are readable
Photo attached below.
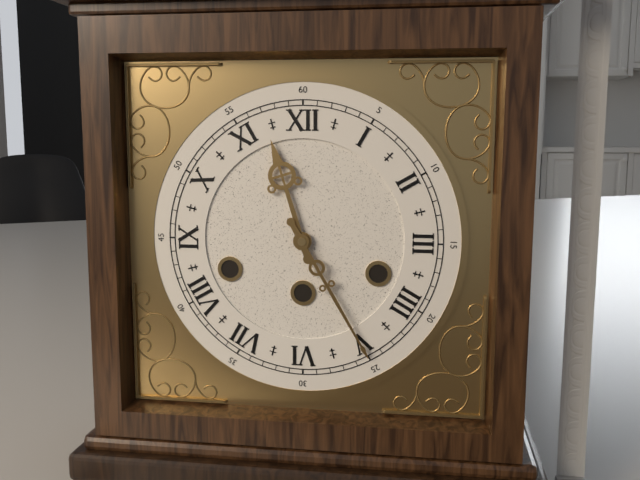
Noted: **11:25**
